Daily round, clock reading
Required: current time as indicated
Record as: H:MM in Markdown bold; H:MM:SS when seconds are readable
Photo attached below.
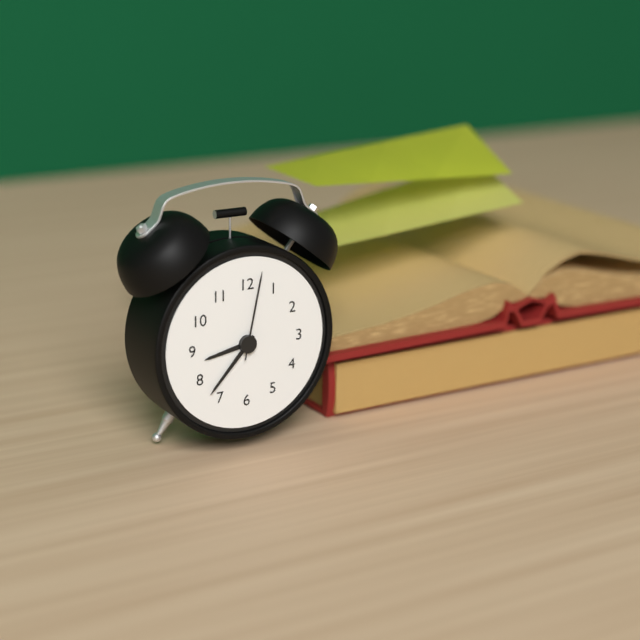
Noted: **8:37:02**
